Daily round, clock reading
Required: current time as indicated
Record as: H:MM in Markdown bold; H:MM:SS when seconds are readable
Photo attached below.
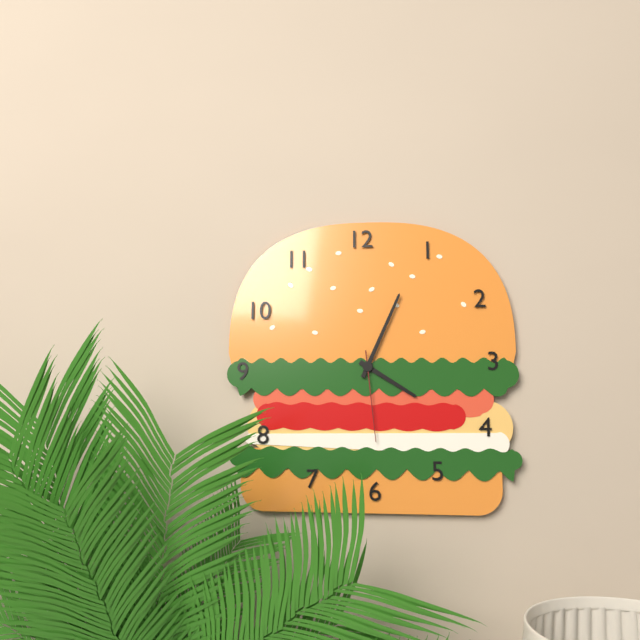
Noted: **4:04:29**
